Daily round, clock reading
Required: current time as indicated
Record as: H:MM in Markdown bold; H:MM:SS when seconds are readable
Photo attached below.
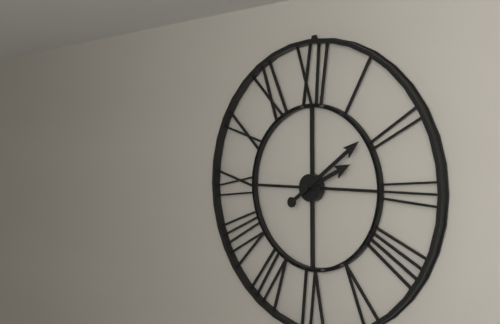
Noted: **2:09**
